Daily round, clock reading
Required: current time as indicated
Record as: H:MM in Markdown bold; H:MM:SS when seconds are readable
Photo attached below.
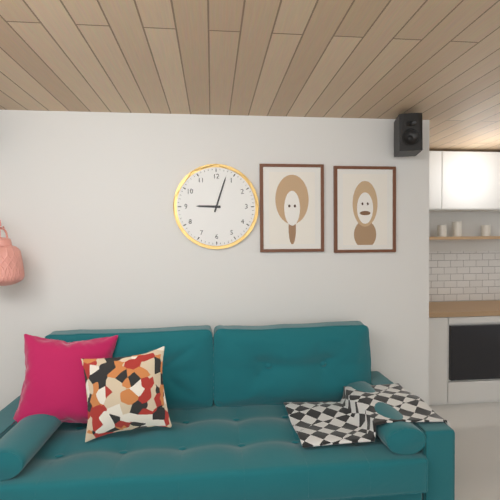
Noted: **9:03**
